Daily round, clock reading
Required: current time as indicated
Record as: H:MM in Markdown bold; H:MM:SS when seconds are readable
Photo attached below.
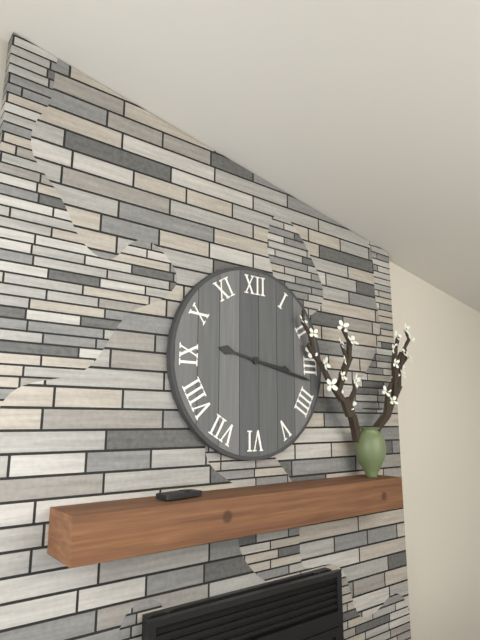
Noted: **3:17**
